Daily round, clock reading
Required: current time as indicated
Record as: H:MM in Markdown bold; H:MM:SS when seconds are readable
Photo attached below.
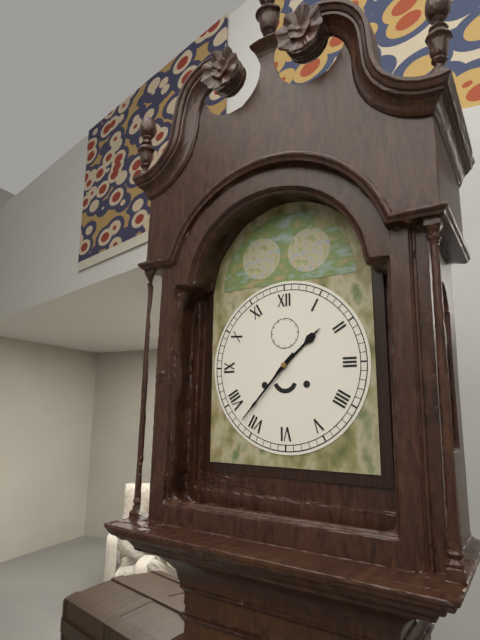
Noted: **1:37**
